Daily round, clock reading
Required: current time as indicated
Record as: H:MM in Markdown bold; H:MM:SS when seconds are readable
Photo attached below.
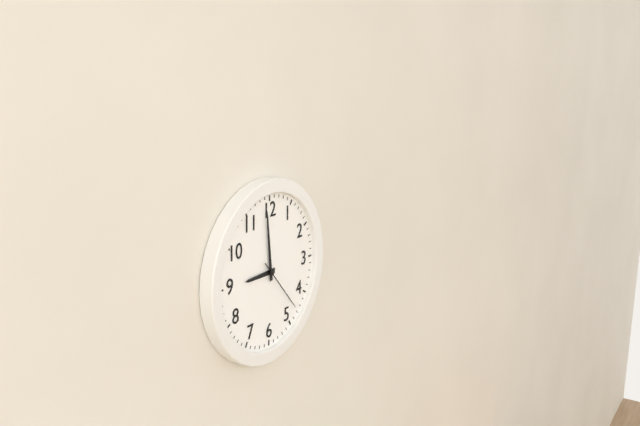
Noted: **8:59:23**
